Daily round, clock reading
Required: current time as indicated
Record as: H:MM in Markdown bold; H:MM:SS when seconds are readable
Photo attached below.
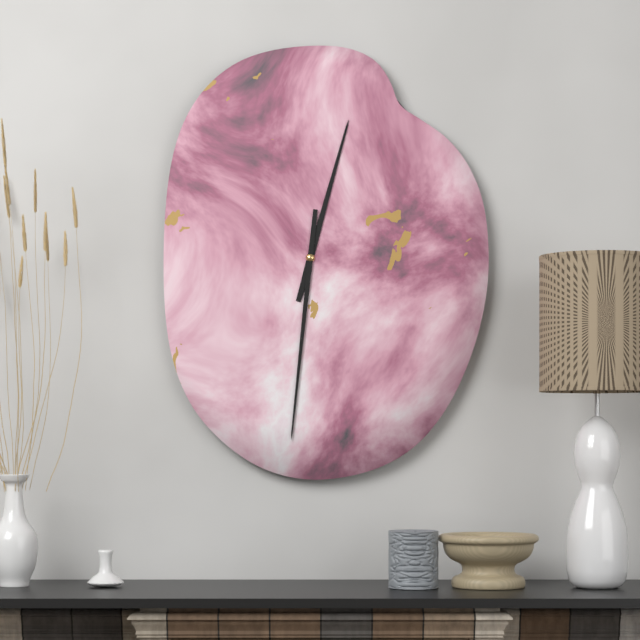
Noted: **12:31**
